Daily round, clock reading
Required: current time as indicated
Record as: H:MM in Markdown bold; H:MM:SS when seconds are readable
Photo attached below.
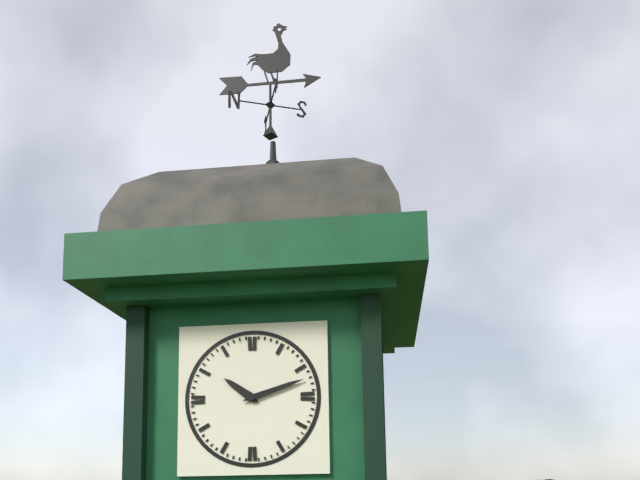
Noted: **10:12**
